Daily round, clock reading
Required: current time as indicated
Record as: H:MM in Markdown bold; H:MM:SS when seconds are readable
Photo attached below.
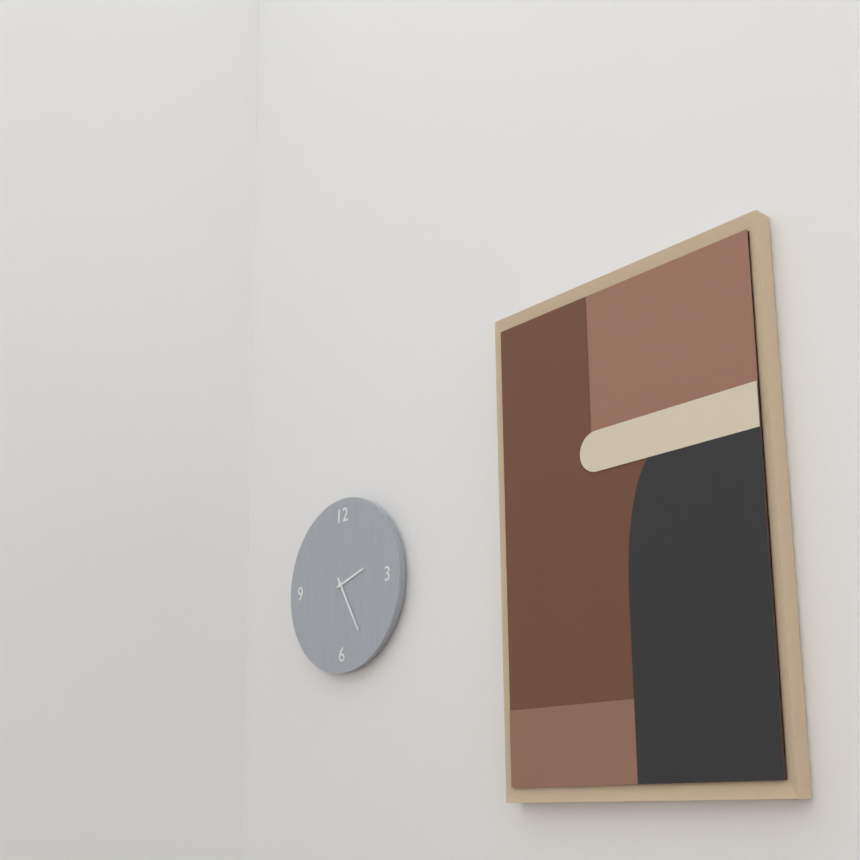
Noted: **2:25**
